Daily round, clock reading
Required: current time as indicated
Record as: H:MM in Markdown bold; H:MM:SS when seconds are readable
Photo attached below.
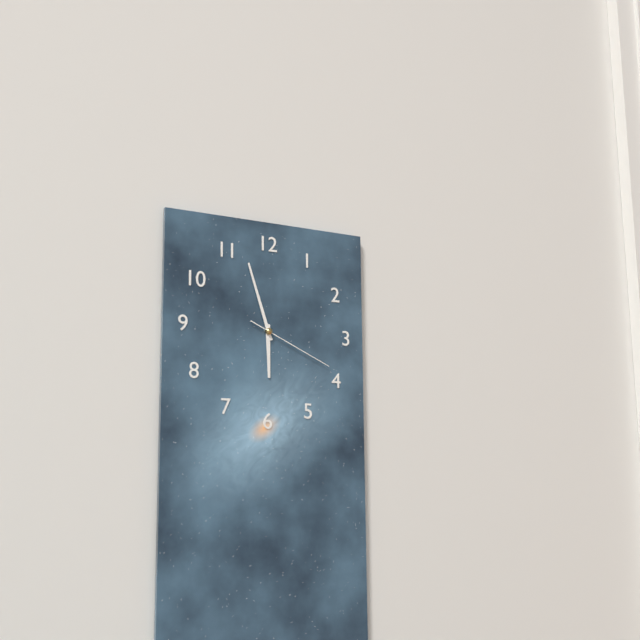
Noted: **5:57:19**
